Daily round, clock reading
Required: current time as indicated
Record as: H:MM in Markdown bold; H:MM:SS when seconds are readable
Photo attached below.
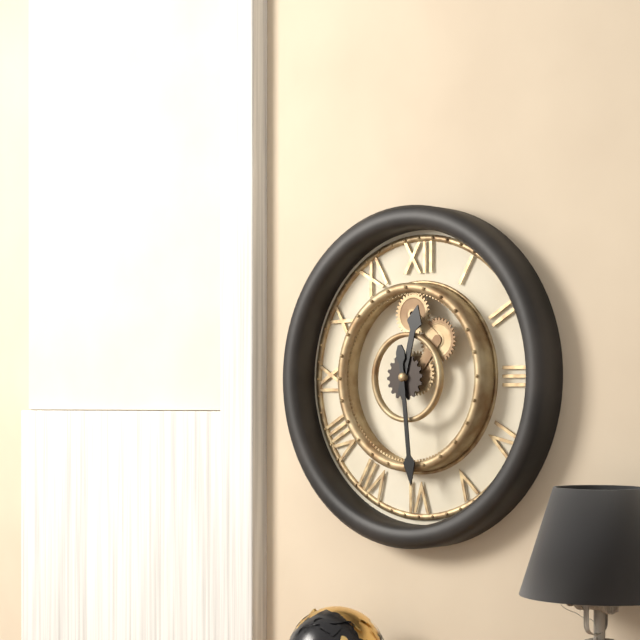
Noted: **12:29**
